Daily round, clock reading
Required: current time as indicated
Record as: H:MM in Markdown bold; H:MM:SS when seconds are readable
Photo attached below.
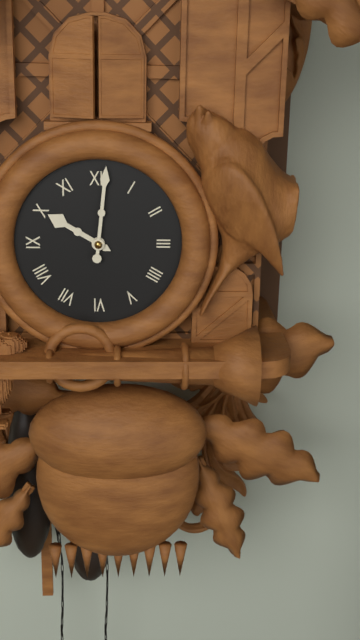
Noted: **10:01**
